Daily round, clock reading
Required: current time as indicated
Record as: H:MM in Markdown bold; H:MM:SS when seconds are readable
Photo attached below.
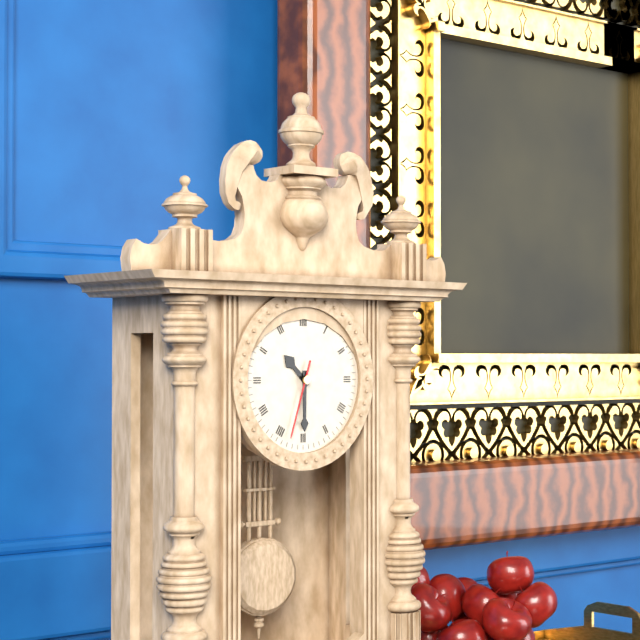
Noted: **10:30:33**
